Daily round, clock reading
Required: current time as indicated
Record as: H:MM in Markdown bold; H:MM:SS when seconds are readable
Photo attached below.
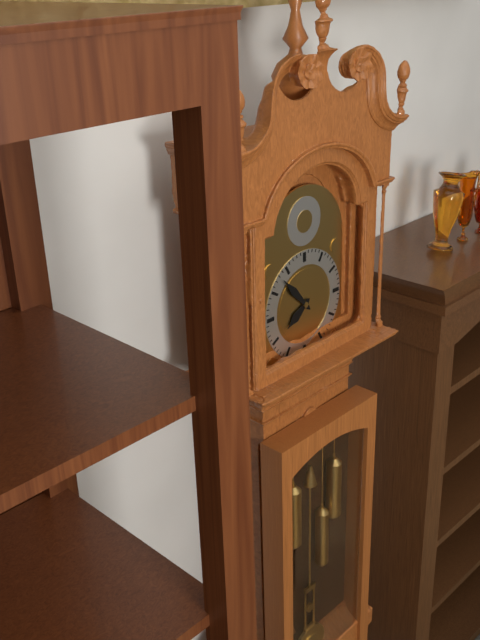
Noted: **7:53**
